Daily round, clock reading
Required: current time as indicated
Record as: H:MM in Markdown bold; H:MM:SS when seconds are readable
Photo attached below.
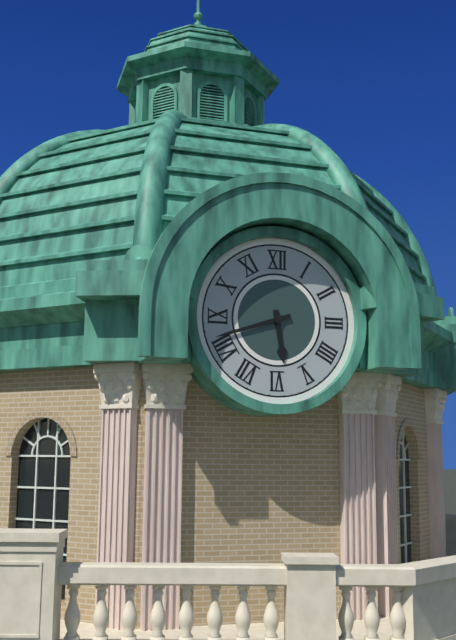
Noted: **5:42**
